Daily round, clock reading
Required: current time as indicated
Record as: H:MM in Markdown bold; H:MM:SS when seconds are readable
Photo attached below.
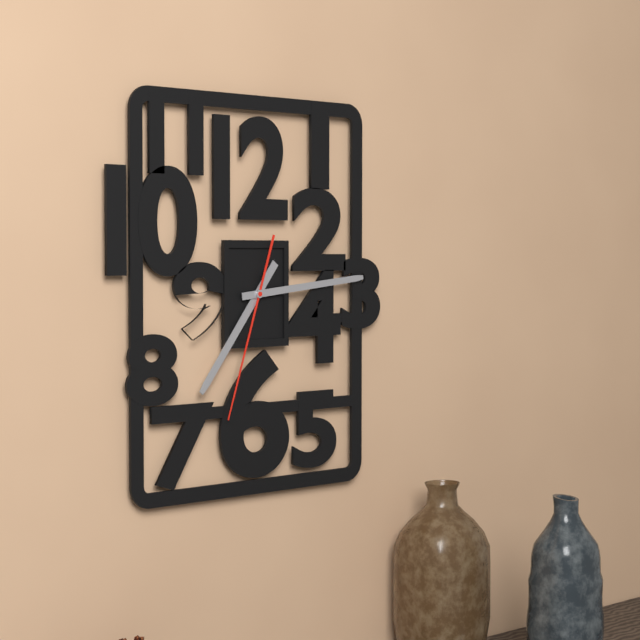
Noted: **7:14:33**
